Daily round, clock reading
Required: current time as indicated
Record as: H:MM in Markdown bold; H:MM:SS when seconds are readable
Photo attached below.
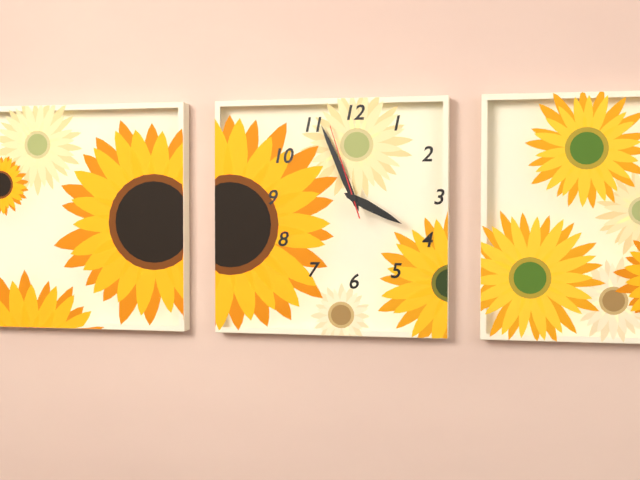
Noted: **3:56:57**
